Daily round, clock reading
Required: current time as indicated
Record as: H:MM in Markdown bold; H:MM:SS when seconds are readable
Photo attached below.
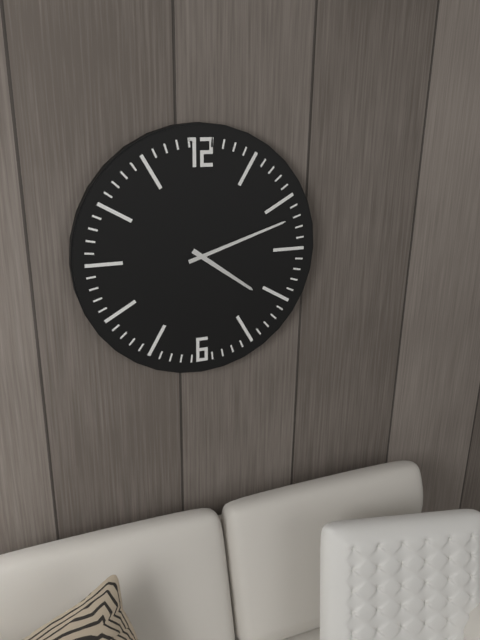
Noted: **4:12**
